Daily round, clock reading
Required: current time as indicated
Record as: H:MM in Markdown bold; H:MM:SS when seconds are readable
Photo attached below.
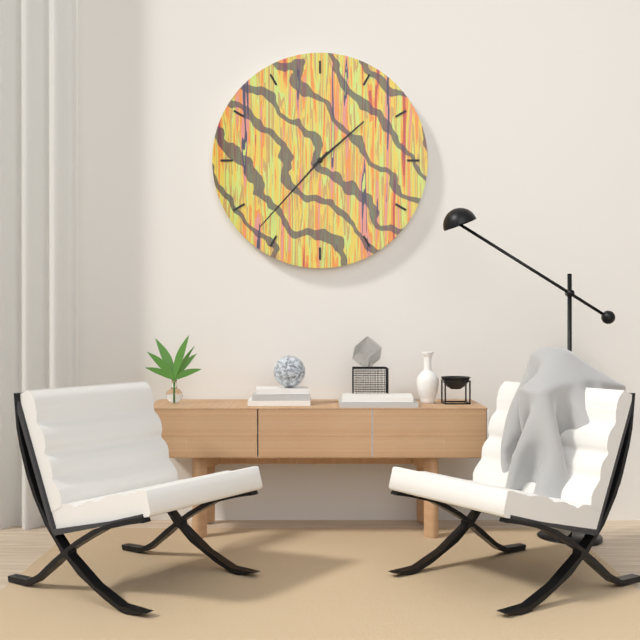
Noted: **1:37**
